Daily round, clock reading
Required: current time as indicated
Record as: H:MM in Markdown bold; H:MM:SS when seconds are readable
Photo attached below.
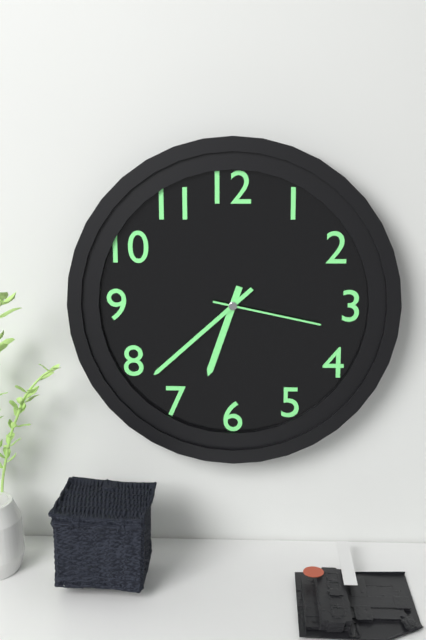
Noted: **6:38:17**
